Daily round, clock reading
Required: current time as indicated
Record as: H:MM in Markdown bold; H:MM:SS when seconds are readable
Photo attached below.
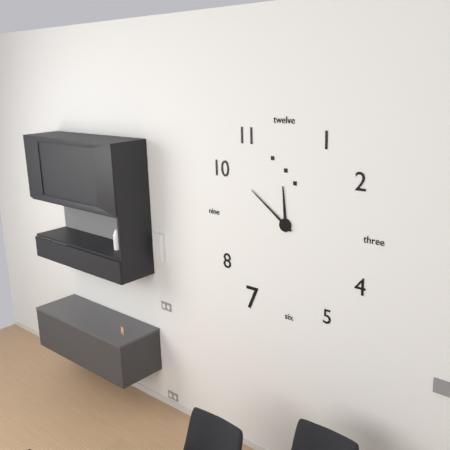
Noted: **11:51**
